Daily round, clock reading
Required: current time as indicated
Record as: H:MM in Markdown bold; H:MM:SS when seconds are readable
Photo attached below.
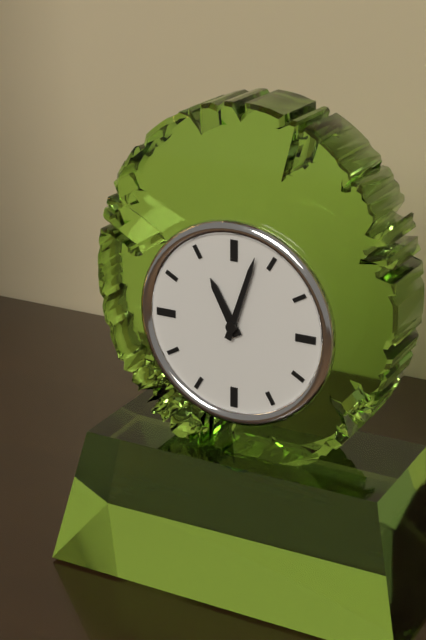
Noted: **11:03**
